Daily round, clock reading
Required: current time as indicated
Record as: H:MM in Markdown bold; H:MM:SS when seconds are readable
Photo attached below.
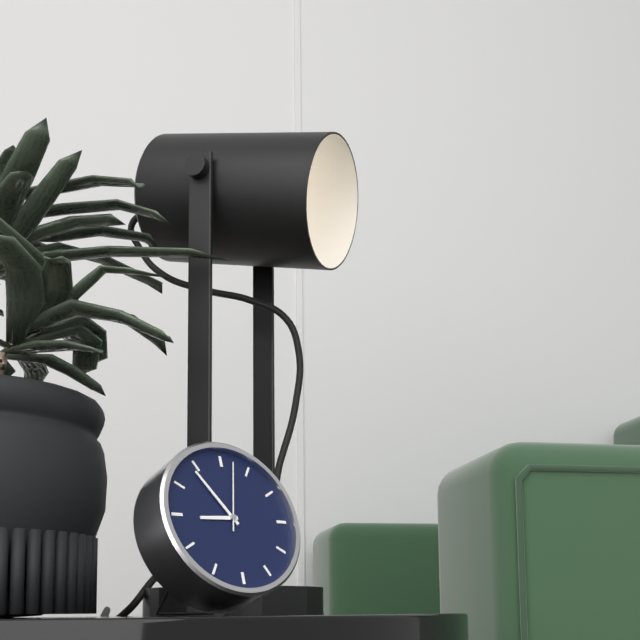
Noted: **8:54:02**
